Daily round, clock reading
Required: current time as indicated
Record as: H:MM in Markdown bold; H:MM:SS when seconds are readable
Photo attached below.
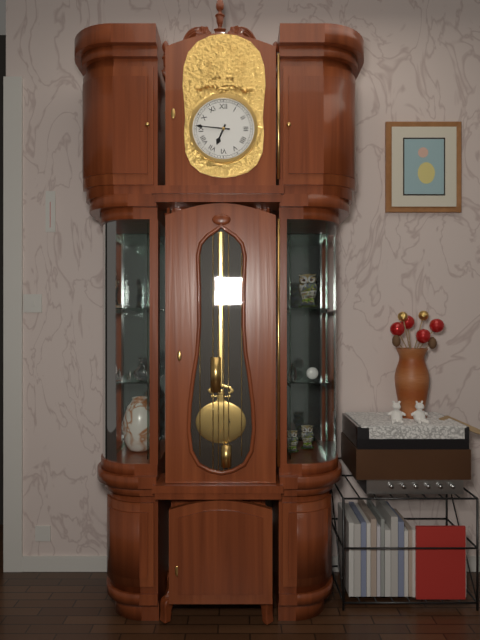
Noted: **6:46**
